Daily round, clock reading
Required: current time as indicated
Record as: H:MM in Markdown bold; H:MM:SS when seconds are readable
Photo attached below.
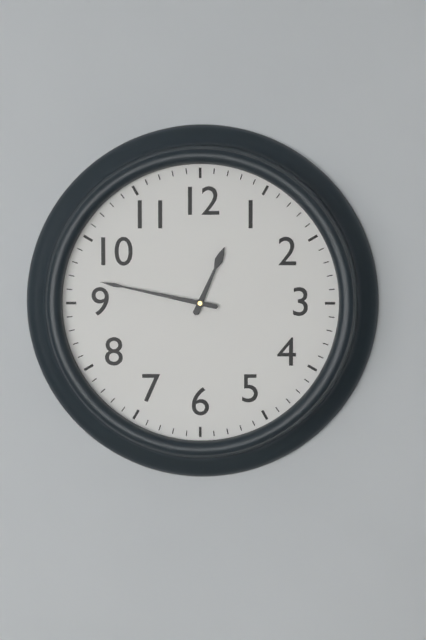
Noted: **12:47**
